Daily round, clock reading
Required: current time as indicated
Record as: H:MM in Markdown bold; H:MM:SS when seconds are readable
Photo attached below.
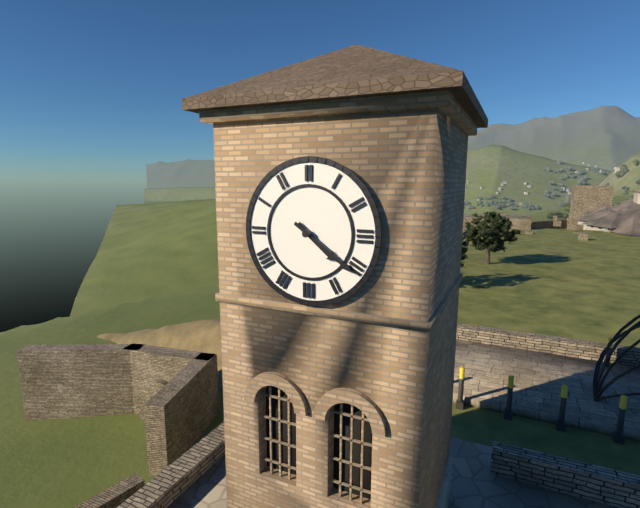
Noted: **4:21**
